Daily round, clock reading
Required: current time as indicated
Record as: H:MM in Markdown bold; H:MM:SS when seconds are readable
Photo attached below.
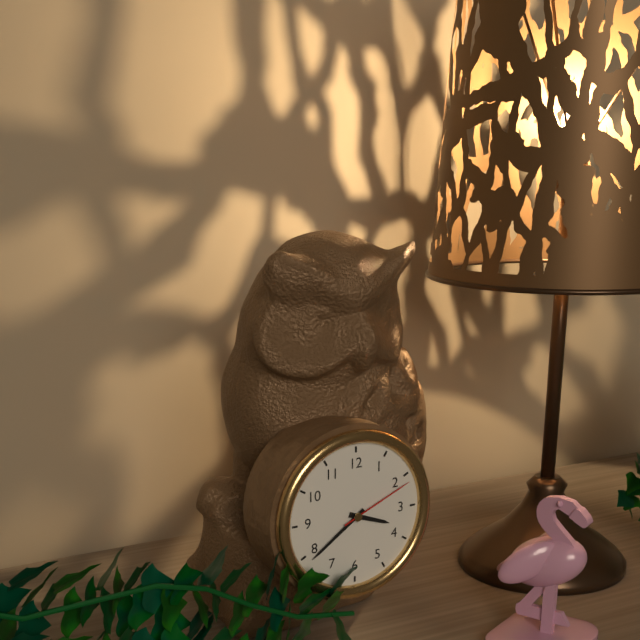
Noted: **3:39:11**
